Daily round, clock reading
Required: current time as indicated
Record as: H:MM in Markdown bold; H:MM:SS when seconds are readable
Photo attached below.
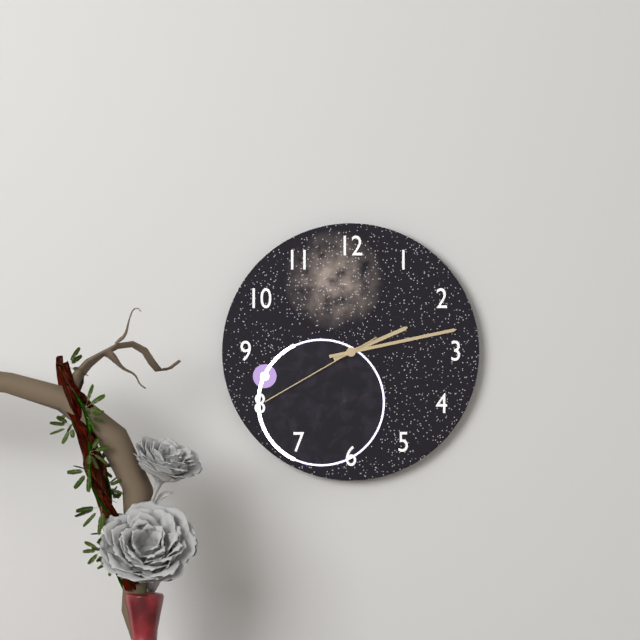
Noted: **2:13:40**
